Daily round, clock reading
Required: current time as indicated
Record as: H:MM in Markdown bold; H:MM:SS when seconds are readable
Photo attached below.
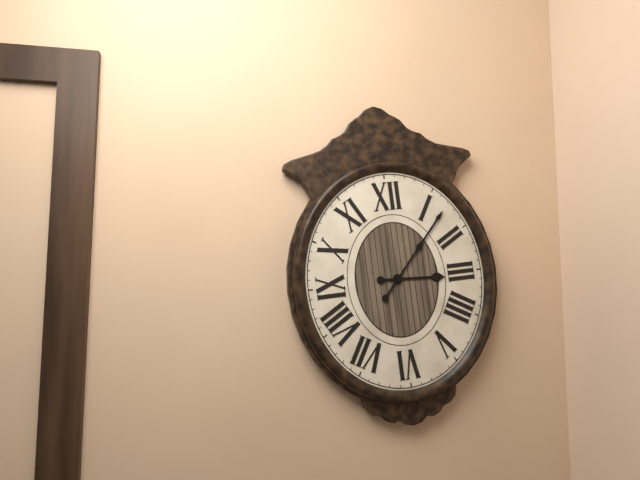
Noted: **3:07**
